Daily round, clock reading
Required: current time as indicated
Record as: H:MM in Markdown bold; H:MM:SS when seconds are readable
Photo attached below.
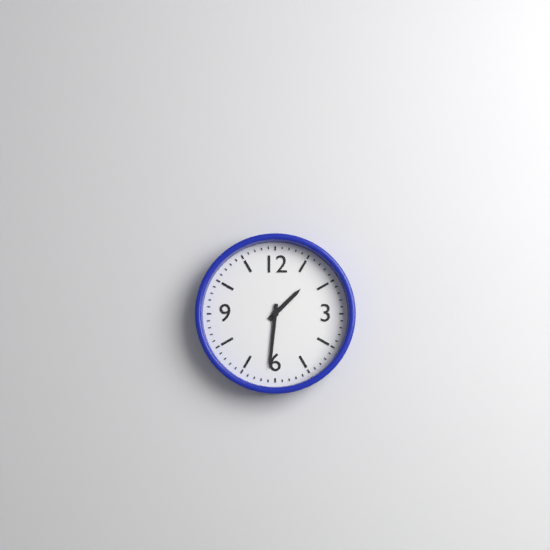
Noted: **1:31**
